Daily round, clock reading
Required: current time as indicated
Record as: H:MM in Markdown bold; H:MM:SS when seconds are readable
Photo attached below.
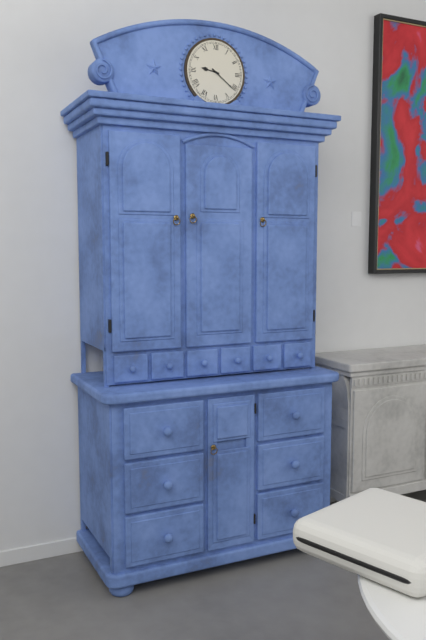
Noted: **9:21**
